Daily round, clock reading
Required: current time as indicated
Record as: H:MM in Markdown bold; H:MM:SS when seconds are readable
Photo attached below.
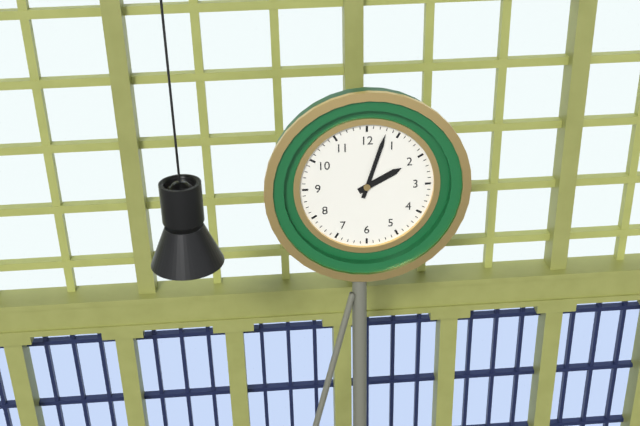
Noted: **2:03**
